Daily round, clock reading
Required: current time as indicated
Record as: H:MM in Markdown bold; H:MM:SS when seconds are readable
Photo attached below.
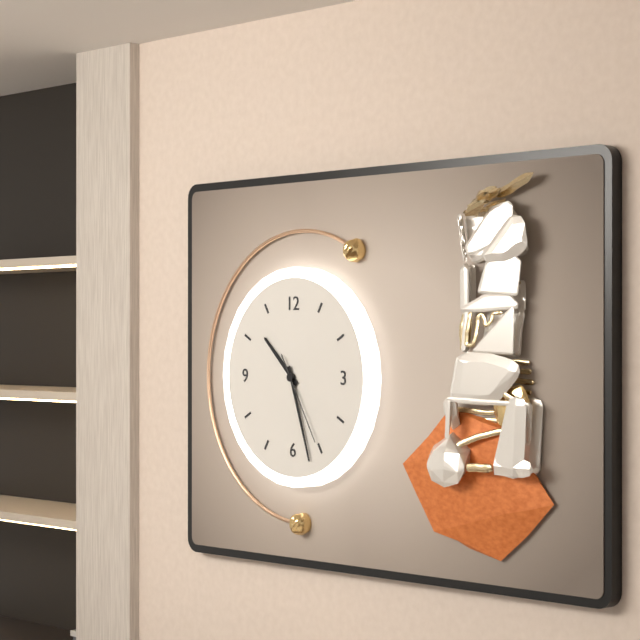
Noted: **10:27:25**
